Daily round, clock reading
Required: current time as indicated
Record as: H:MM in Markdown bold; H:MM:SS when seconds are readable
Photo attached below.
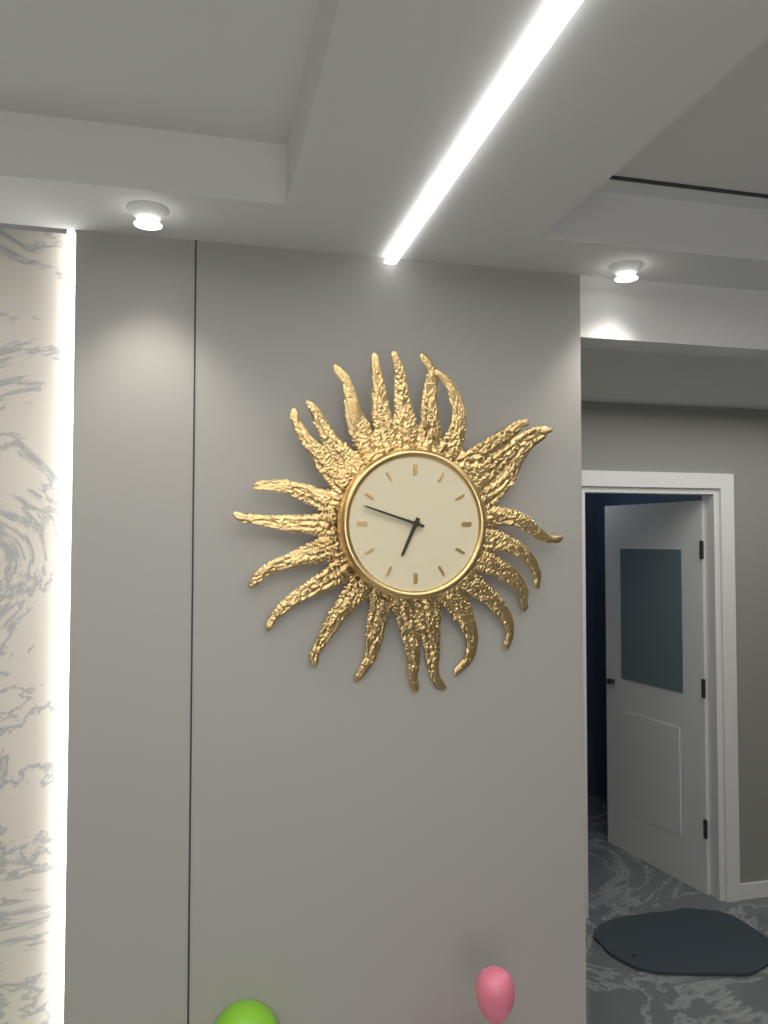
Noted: **6:48**
